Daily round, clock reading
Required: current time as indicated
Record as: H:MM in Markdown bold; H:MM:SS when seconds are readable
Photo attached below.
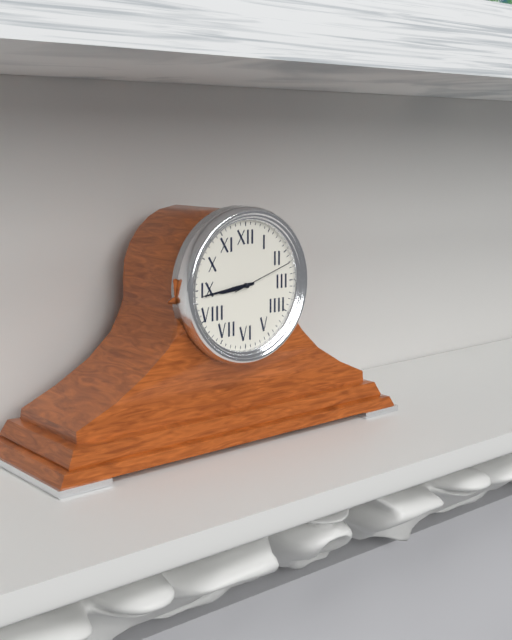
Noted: **8:44:12**
